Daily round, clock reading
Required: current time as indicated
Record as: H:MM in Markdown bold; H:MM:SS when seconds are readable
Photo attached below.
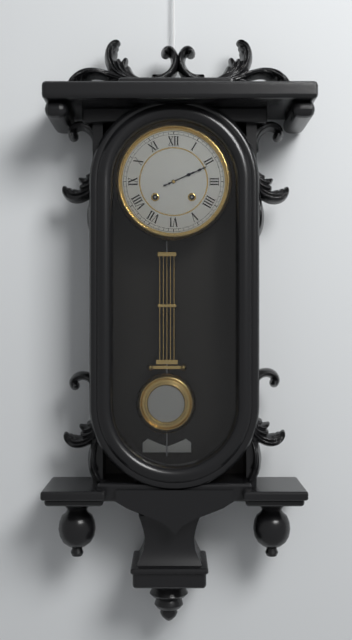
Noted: **2:11**
